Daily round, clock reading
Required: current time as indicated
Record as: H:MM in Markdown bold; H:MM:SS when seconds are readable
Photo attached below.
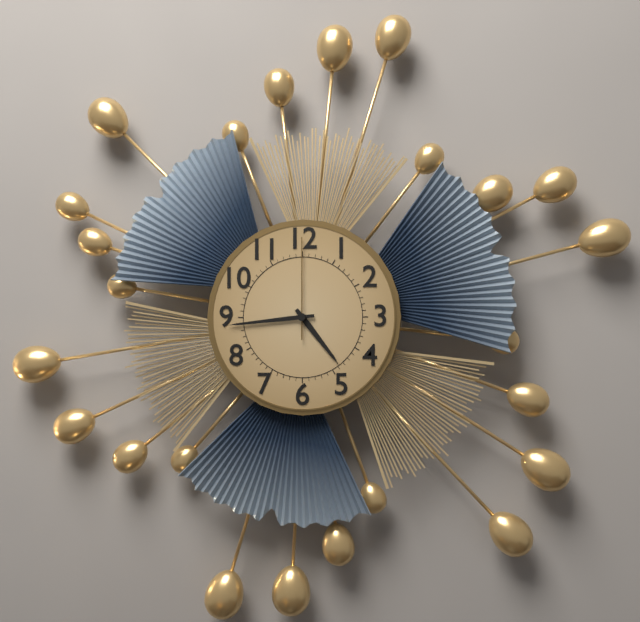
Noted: **4:44:00**
